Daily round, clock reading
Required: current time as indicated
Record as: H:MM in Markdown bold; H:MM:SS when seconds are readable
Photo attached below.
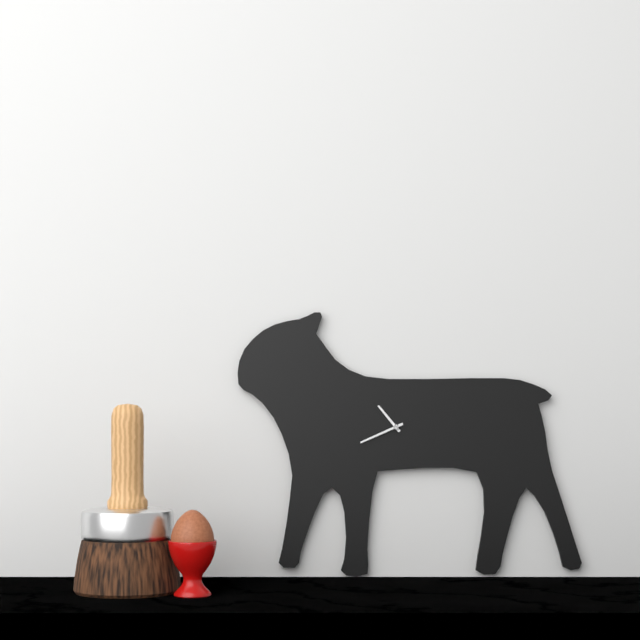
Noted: **10:41**
